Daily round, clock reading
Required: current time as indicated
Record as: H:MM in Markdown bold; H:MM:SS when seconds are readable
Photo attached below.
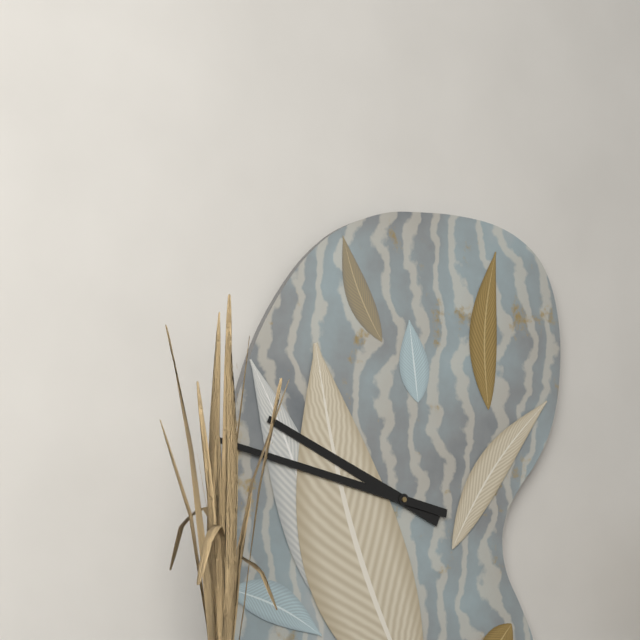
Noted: **9:47**
